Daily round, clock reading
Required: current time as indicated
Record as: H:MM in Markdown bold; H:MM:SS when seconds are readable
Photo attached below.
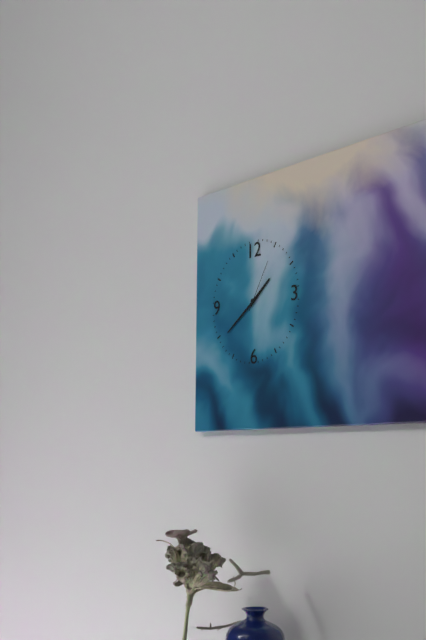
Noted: **1:39:05**
